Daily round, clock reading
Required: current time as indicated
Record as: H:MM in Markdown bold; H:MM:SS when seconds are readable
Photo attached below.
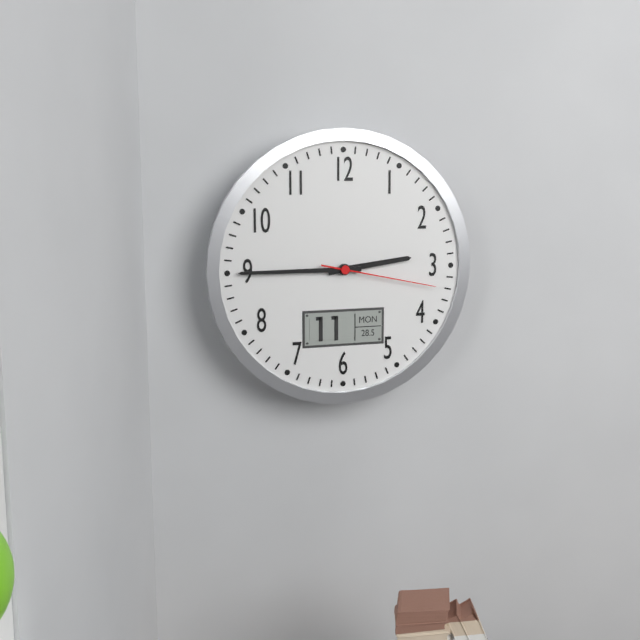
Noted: **2:45:17**
